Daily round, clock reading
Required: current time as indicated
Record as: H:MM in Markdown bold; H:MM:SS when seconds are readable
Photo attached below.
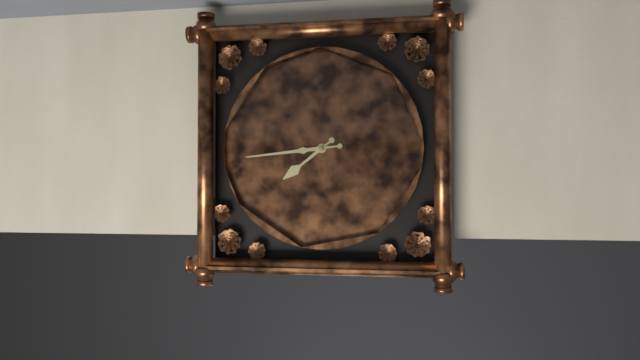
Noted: **7:44**
